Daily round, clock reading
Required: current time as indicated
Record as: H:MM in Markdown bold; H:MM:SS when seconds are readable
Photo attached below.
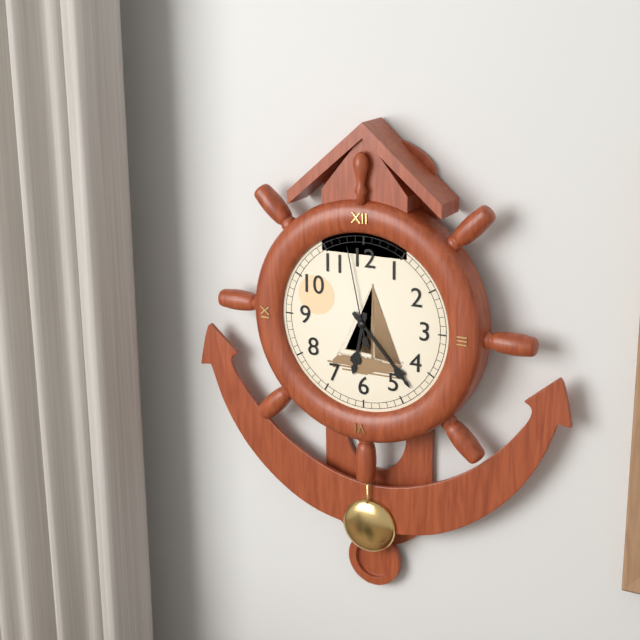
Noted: **6:23:58**
